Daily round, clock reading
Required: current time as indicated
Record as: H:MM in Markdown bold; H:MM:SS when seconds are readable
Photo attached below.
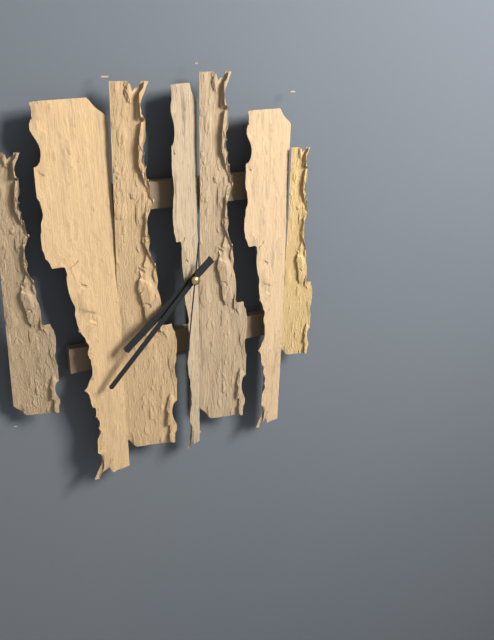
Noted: **7:37:31**
